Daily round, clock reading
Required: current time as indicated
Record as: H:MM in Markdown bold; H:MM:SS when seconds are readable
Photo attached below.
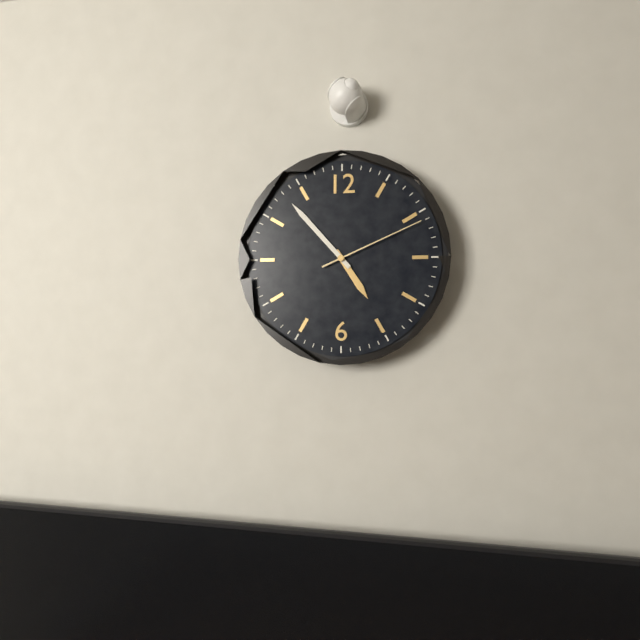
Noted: **4:53:11**
